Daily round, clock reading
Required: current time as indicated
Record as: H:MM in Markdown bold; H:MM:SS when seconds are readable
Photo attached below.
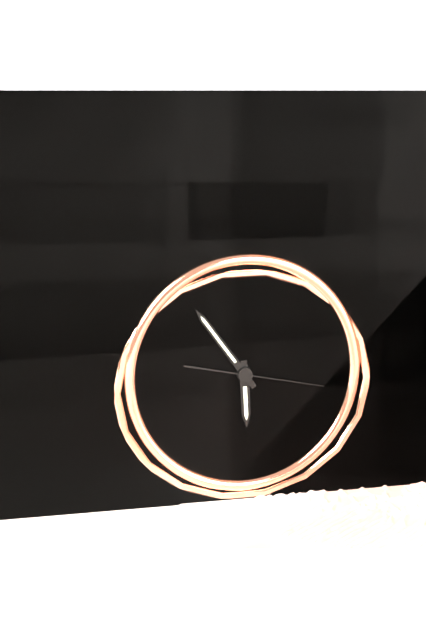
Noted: **5:54:17**
